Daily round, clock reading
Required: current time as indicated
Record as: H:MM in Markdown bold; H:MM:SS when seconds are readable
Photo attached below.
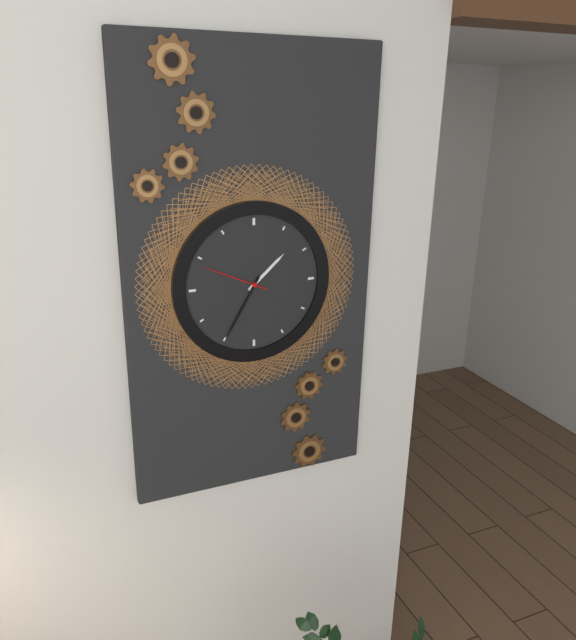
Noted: **1:35:49**
